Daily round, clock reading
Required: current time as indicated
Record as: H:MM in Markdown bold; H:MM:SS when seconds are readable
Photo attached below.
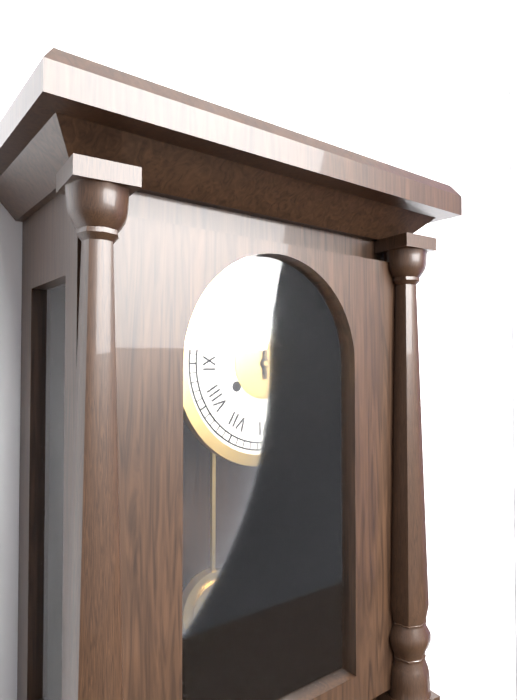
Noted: **12:00**
